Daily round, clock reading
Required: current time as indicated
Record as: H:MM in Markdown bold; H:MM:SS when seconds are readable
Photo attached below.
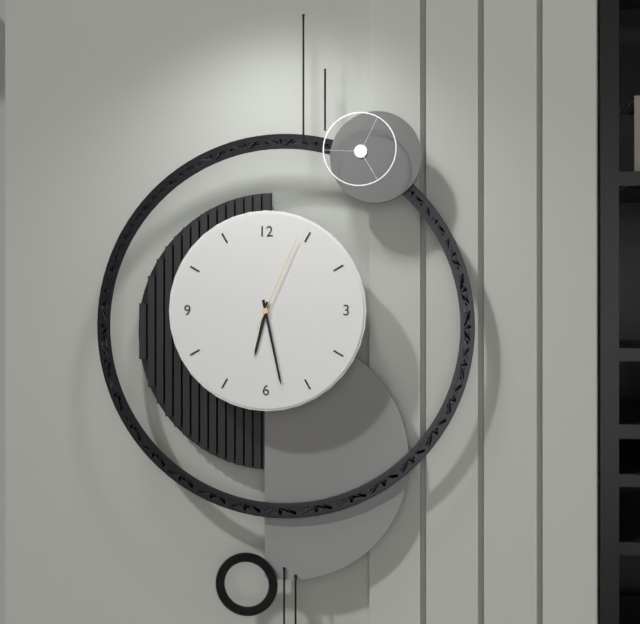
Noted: **6:28:04**
